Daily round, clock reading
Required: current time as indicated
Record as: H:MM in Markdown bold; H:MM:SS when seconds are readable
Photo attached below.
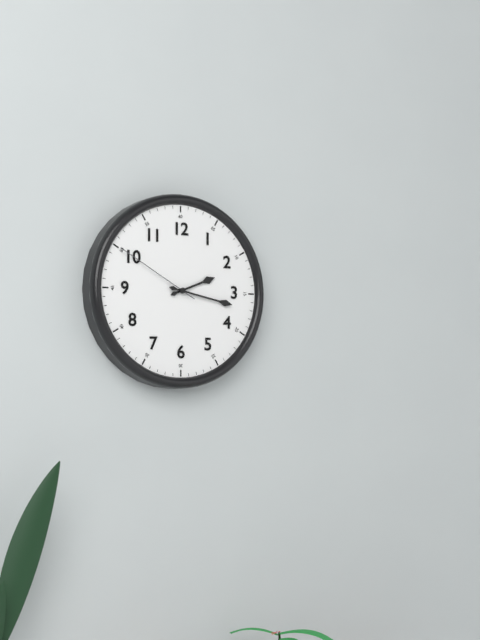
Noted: **2:17:50**
